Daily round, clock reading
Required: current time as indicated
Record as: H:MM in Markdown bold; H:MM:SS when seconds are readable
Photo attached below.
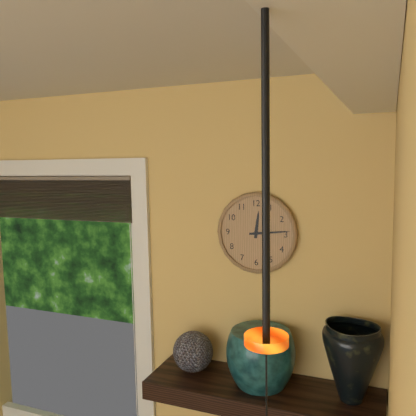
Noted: **12:14**
